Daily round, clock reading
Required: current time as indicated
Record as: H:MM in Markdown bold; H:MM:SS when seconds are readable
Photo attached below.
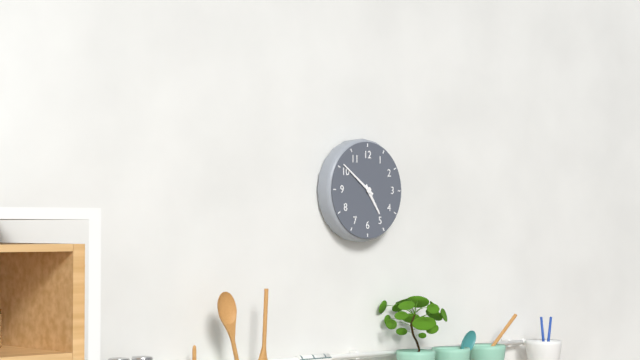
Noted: **4:51**
